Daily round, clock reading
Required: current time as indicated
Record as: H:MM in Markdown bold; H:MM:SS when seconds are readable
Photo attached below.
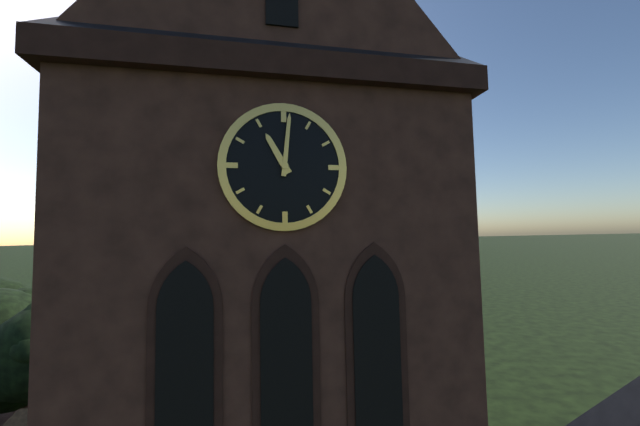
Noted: **11:01**
